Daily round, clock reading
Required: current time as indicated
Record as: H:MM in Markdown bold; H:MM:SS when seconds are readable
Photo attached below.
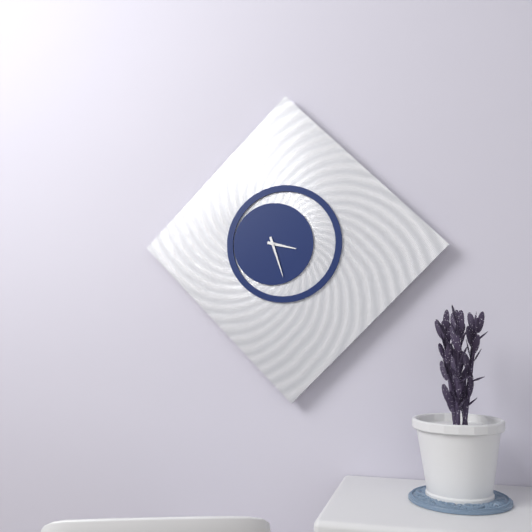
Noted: **3:27**
